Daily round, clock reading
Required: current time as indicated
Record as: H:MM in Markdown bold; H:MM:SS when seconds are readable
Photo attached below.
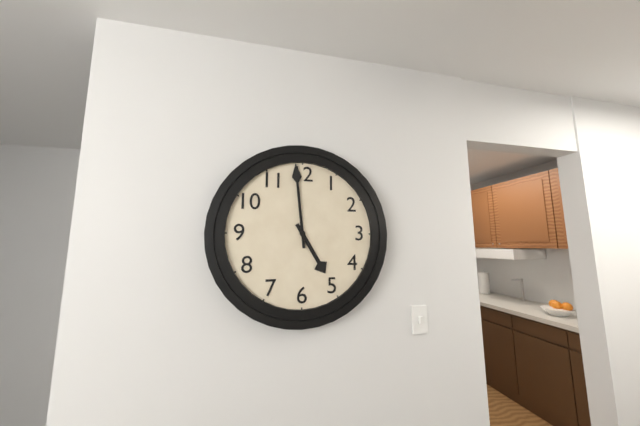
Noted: **4:59**
